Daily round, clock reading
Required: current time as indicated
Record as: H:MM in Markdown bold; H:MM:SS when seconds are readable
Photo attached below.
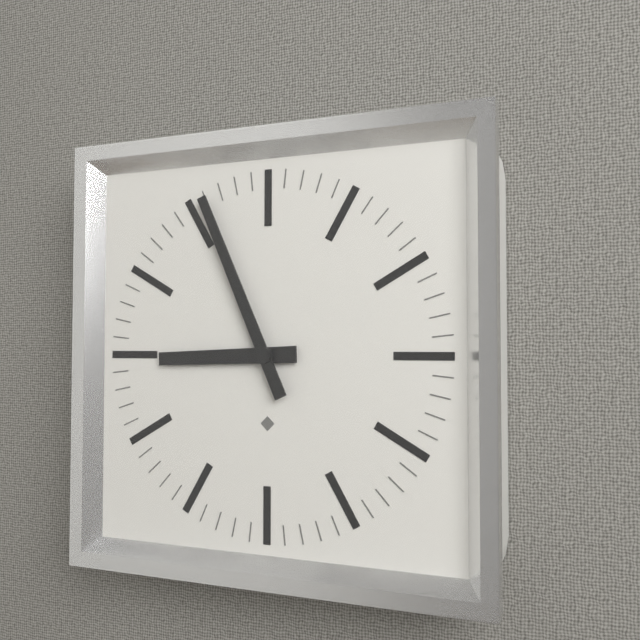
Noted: **8:56**
